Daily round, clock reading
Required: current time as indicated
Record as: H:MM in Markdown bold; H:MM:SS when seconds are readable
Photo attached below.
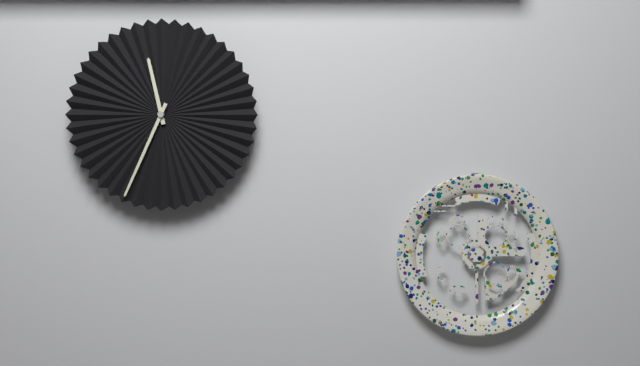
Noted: **11:34**
